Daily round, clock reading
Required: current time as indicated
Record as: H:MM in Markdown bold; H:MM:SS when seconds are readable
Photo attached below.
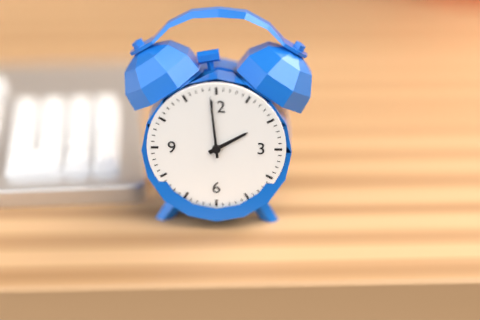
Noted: **1:59**
